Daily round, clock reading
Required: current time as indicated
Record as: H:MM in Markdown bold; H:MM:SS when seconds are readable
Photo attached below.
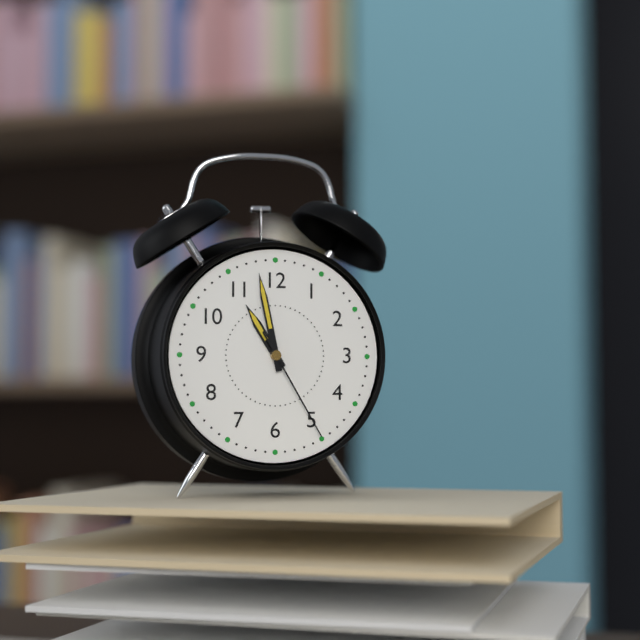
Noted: **10:58:25**
